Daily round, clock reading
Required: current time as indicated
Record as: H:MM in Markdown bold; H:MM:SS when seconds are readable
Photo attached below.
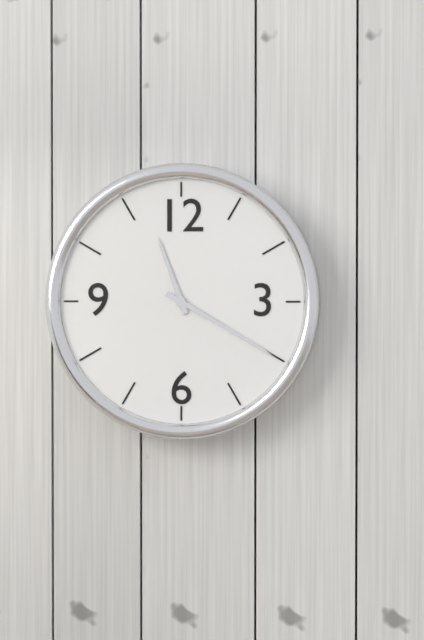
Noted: **11:20**
